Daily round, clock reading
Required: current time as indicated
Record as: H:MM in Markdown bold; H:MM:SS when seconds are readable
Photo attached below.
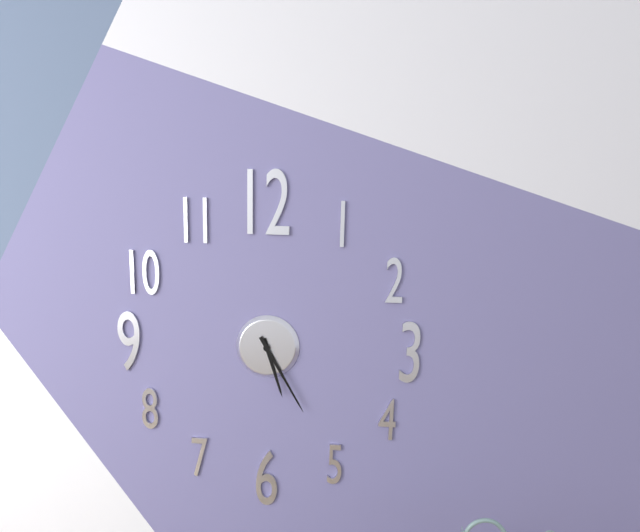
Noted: **5:25**
